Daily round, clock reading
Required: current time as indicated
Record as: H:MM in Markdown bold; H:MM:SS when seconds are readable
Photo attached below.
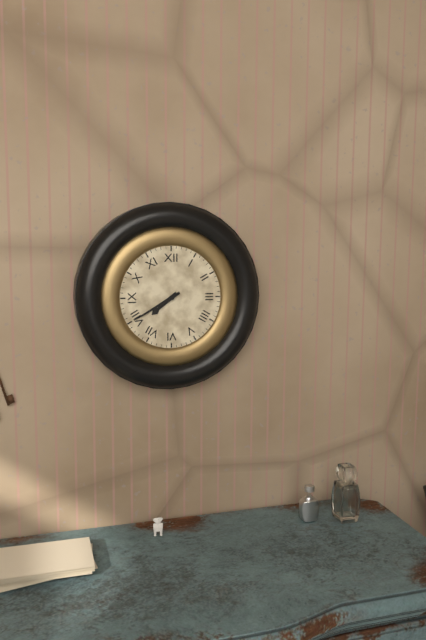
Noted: **7:40**
